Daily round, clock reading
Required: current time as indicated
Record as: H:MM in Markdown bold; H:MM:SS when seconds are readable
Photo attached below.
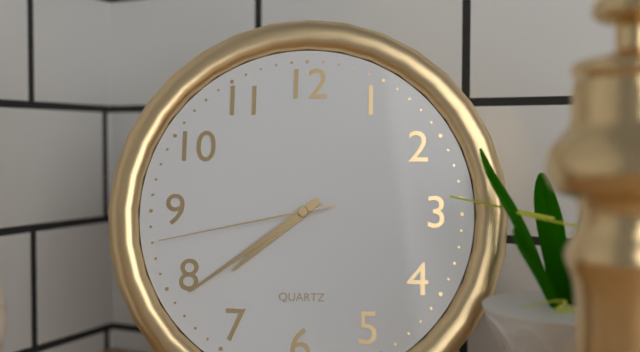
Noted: **7:39:43**
